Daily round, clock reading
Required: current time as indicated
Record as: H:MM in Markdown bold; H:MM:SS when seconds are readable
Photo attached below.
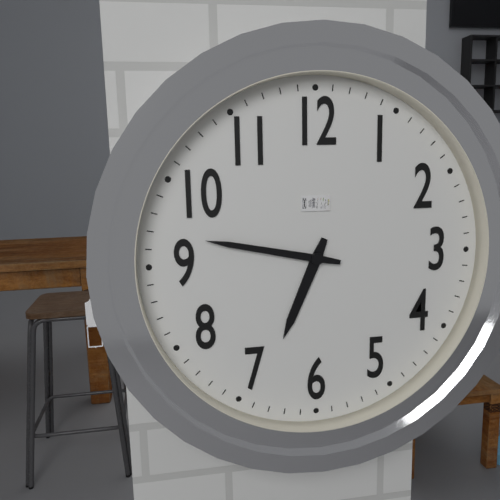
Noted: **6:47**
